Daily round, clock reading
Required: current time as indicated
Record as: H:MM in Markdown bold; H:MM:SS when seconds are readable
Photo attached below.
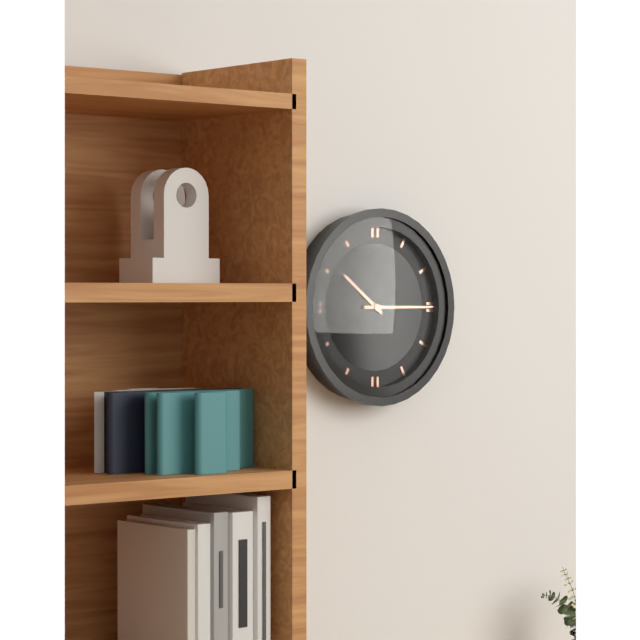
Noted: **10:15**
